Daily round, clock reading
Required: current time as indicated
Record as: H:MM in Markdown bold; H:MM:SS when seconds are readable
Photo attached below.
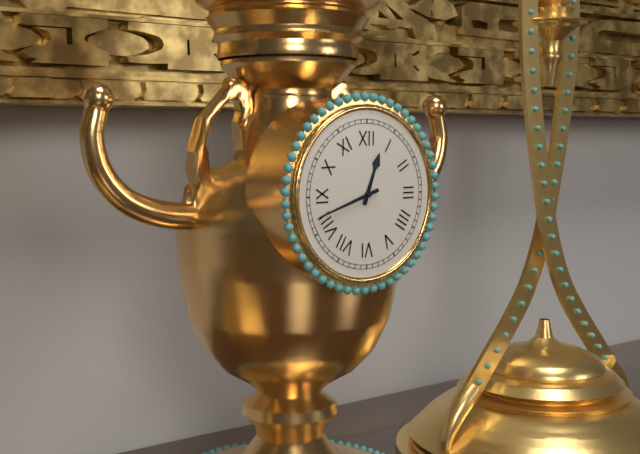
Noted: **12:42**
